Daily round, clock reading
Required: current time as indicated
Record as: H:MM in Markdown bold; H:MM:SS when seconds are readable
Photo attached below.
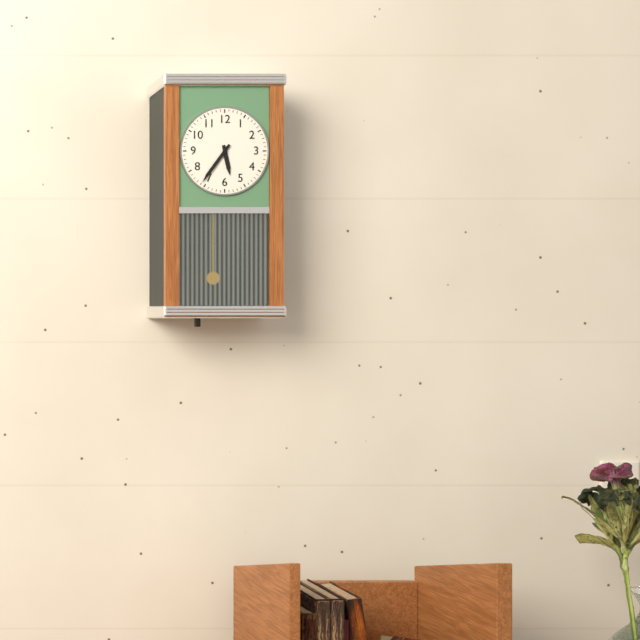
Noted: **5:36**
